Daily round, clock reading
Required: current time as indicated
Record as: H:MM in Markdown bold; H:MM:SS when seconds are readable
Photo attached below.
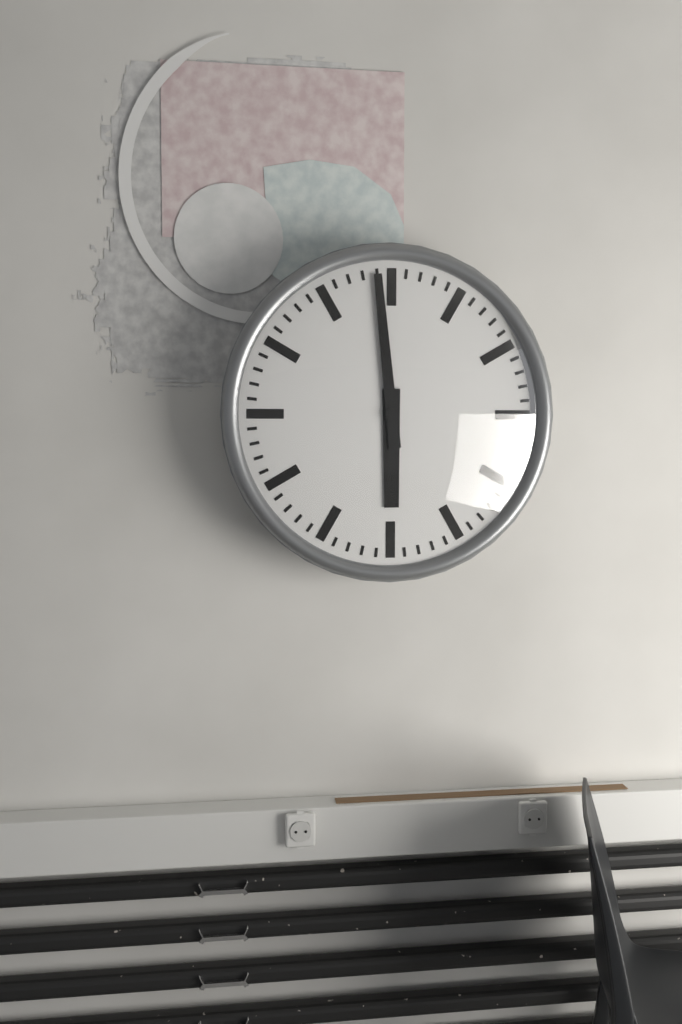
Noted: **5:59**
